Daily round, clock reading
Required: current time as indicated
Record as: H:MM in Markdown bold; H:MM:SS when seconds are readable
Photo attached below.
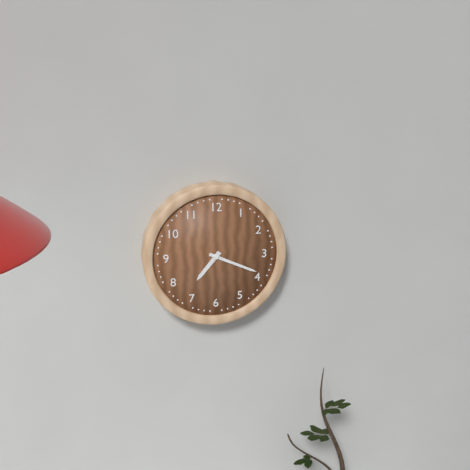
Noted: **7:19**
